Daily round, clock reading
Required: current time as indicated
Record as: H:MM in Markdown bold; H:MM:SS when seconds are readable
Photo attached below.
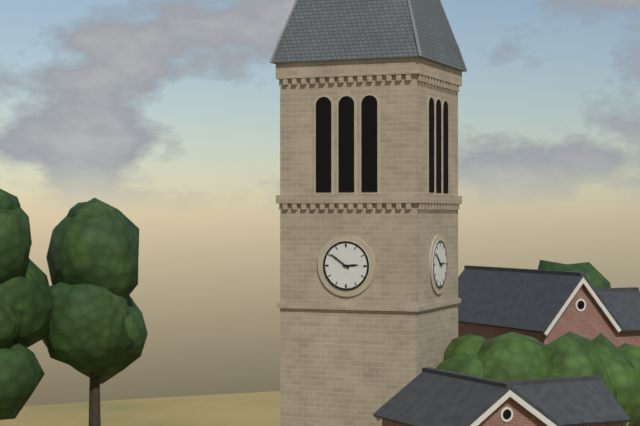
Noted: **2:51**
